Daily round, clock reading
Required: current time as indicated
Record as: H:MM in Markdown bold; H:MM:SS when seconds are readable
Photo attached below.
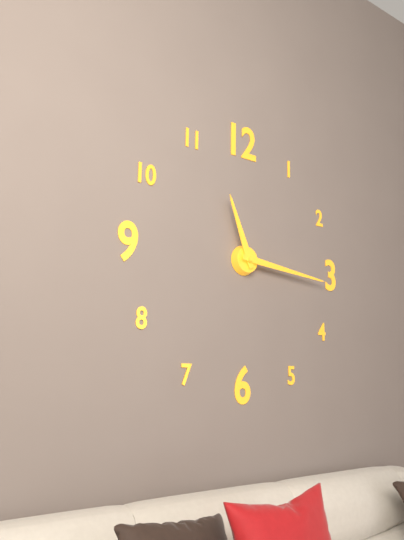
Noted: **11:16**
